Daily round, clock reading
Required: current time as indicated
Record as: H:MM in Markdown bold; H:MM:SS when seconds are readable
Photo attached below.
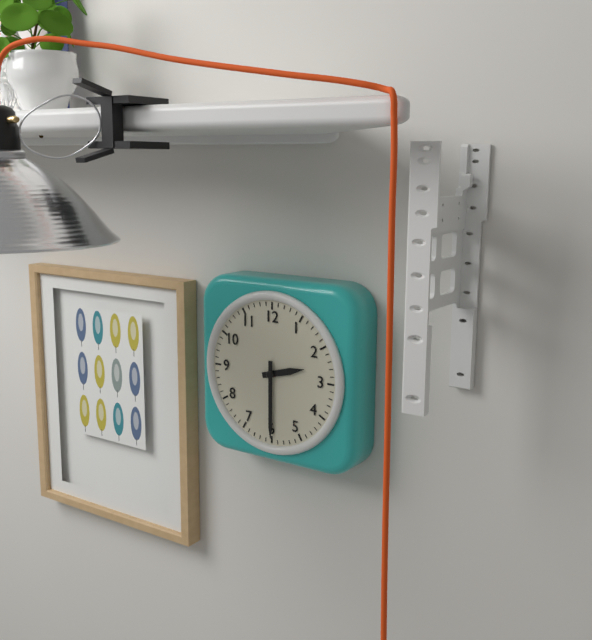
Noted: **2:30**
